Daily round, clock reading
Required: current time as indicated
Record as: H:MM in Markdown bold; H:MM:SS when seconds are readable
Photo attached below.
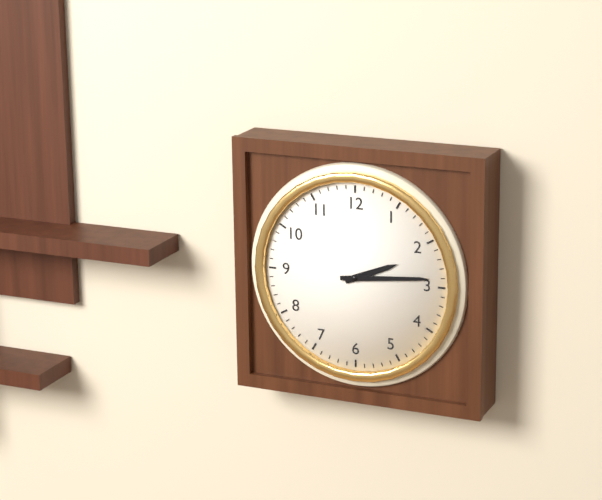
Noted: **2:14**
